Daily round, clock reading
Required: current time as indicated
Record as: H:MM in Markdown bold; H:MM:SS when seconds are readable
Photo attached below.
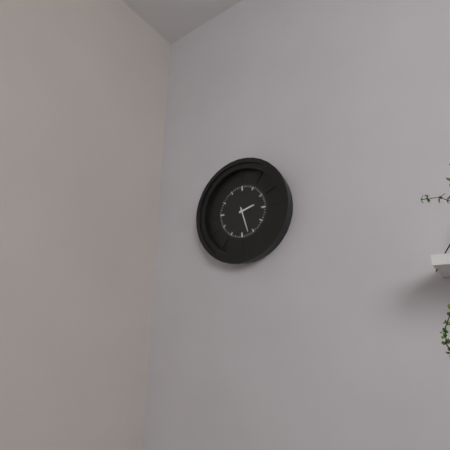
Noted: **2:27**
